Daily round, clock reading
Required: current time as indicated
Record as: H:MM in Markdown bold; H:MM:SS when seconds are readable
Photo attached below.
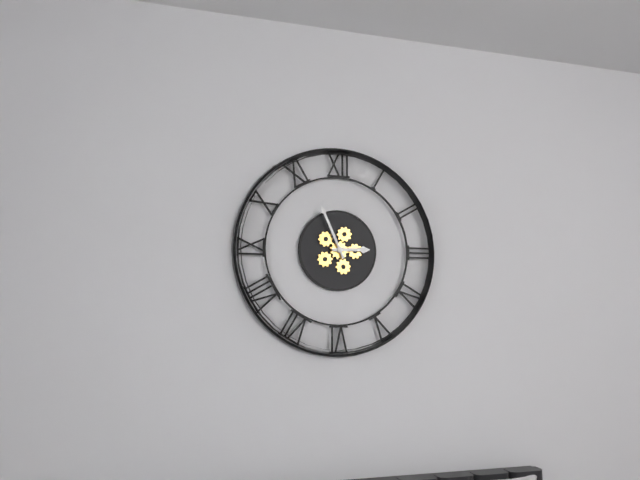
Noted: **2:56**
